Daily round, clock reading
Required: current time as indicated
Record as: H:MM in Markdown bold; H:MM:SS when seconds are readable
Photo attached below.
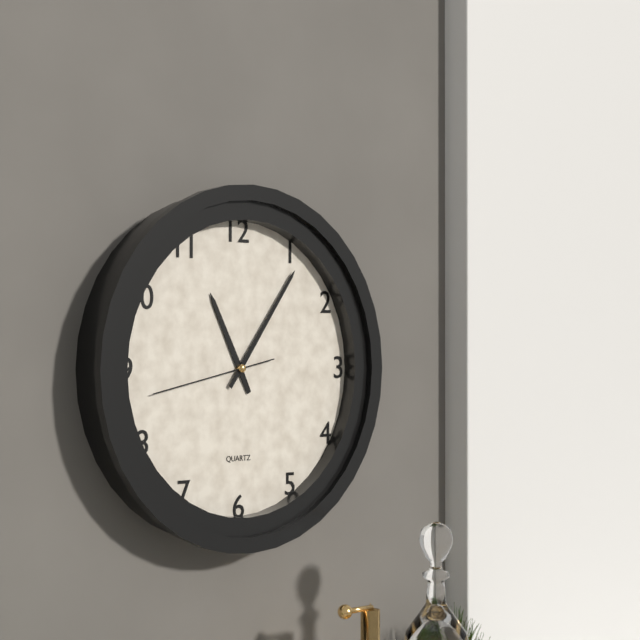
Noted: **11:06:43**
